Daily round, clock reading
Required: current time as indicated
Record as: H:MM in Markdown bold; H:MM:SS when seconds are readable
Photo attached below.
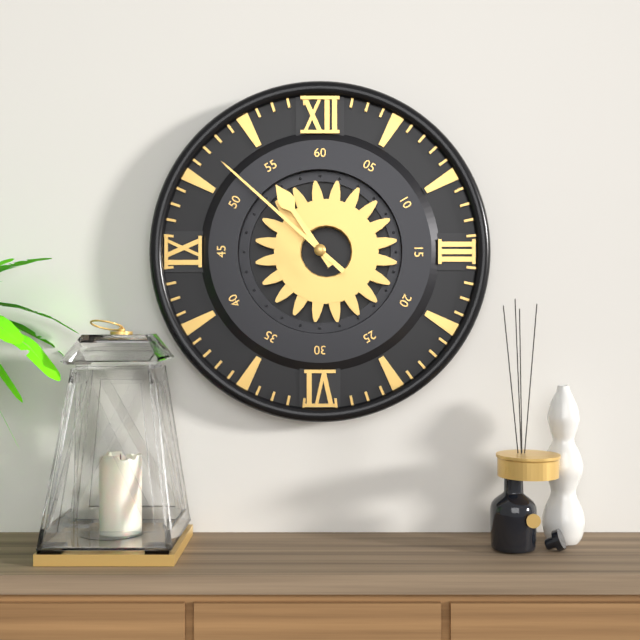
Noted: **10:52**
